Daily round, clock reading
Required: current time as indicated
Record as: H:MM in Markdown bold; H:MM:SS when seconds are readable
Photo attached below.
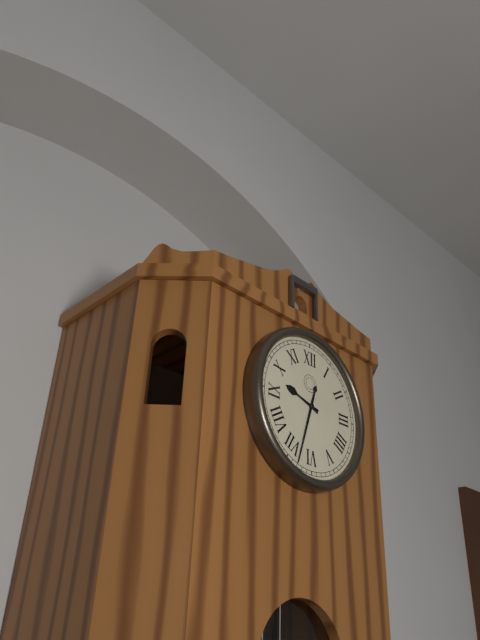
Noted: **9:33**
